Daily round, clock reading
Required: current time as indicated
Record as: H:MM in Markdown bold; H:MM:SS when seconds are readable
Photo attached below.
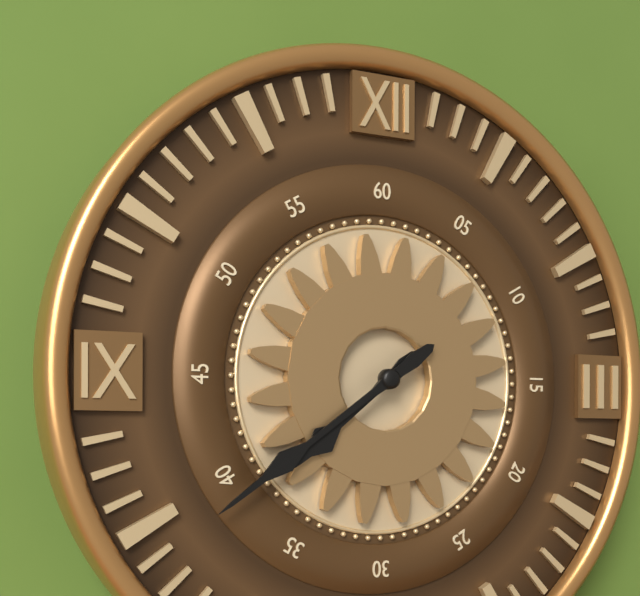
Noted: **7:39**
